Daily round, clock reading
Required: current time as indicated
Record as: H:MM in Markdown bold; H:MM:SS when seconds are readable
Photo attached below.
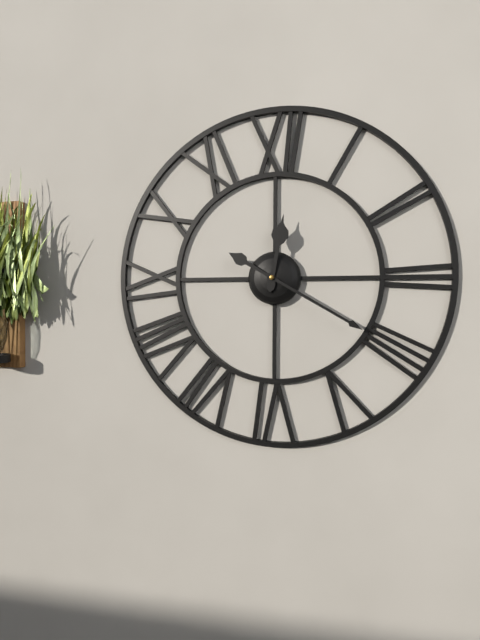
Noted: **12:20**
